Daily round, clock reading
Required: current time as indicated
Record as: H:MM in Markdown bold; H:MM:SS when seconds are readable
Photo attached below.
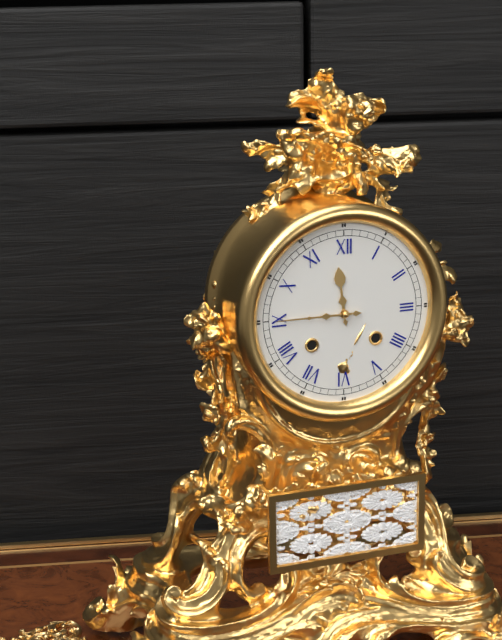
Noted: **11:45**
